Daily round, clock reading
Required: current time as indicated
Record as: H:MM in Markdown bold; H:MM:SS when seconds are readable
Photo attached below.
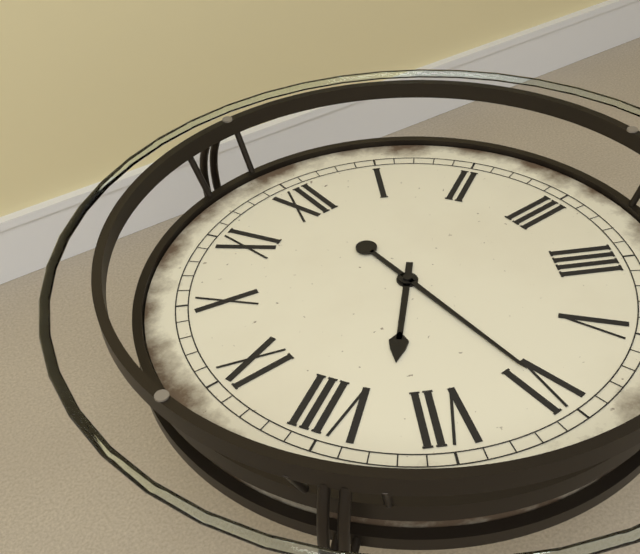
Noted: **7:30**
